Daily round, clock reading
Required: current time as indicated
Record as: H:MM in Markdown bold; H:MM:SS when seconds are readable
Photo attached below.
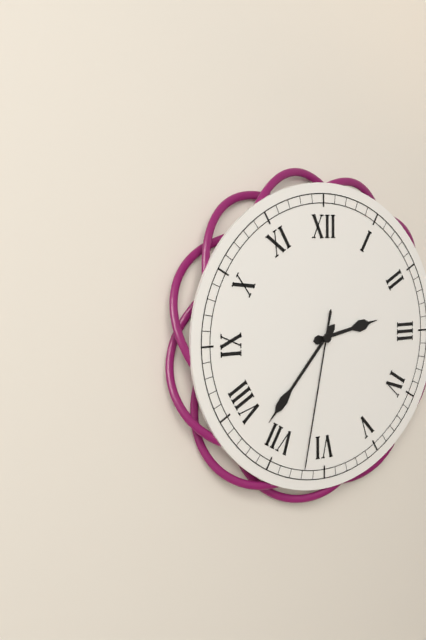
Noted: **2:37:32**
